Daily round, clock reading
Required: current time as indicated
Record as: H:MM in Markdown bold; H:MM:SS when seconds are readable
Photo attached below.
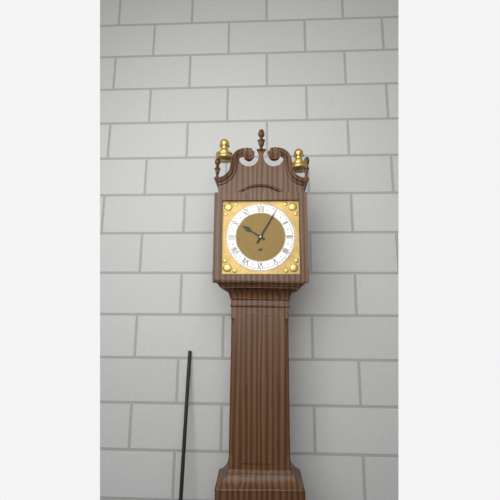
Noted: **10:05**
